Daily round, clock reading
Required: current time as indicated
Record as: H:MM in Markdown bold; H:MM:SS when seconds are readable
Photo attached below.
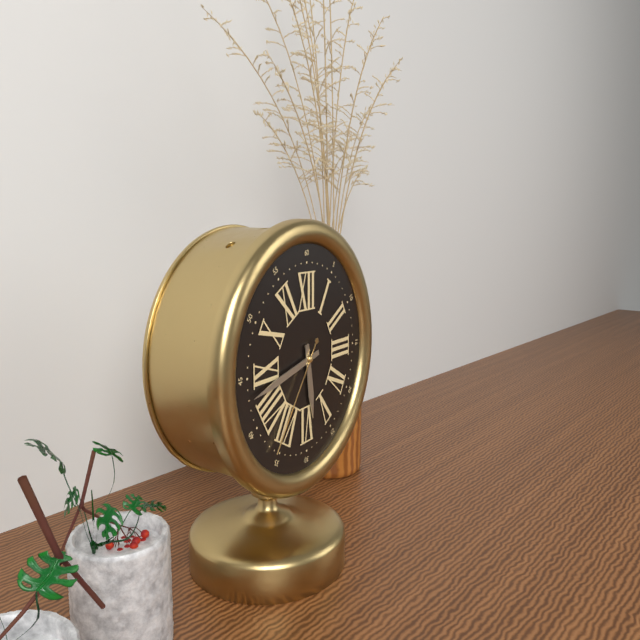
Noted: **5:43:36**
